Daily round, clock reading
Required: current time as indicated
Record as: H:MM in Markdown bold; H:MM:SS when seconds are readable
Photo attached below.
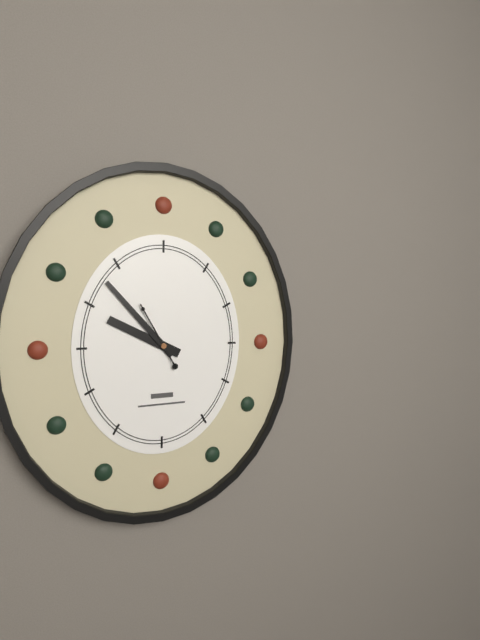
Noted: **9:53:55**
